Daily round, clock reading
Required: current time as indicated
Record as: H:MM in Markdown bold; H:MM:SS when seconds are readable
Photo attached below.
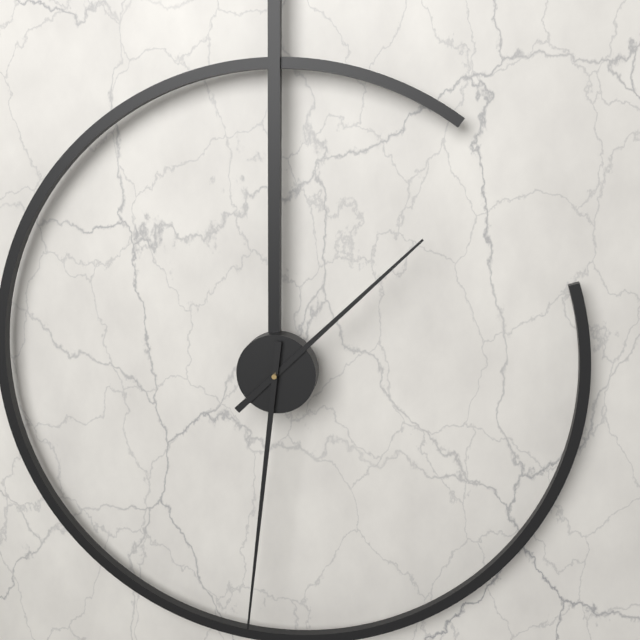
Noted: **1:31**
